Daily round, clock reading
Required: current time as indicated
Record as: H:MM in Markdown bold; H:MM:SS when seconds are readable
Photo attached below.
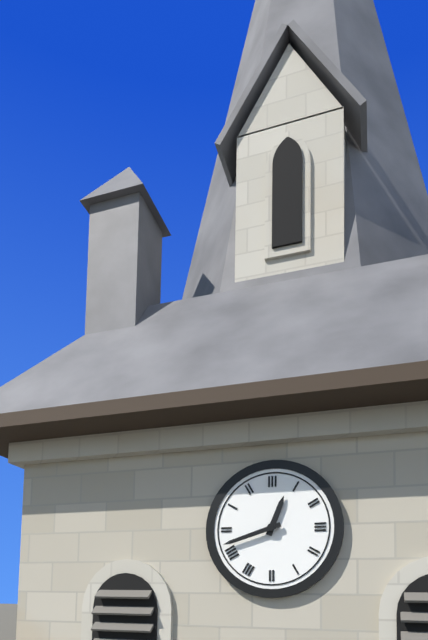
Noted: **12:42**
